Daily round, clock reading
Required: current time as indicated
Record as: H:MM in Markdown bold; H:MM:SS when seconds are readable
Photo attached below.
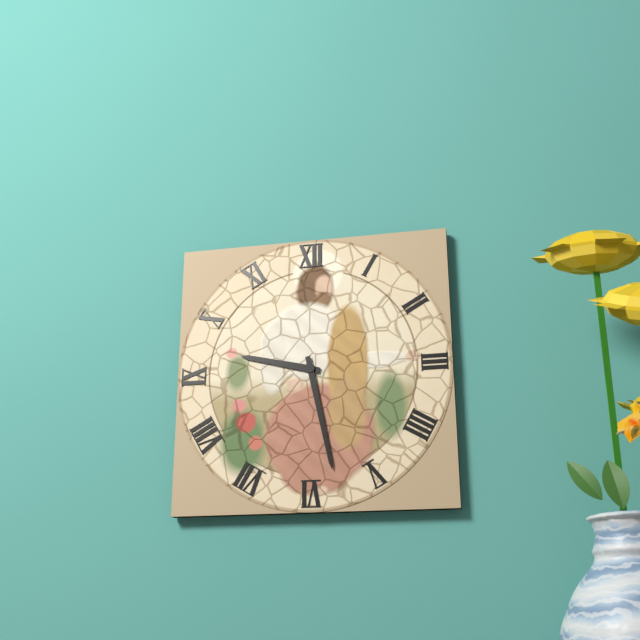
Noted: **9:28**
